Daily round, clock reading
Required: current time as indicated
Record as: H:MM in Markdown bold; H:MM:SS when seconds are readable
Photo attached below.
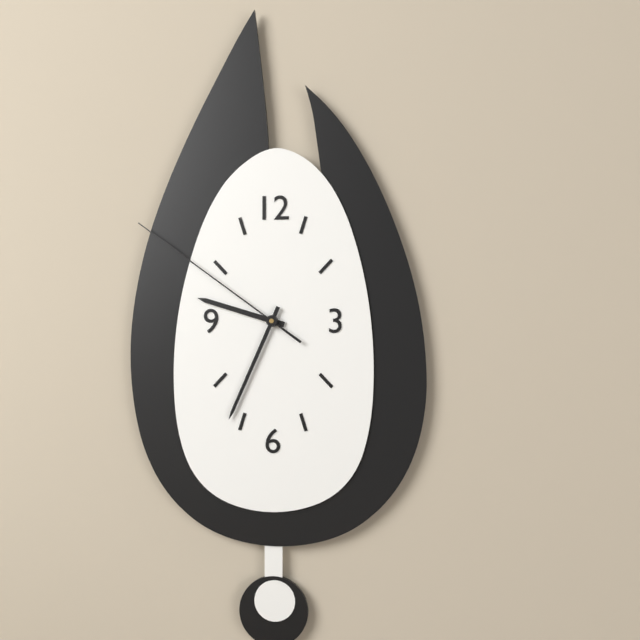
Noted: **9:34:51**
